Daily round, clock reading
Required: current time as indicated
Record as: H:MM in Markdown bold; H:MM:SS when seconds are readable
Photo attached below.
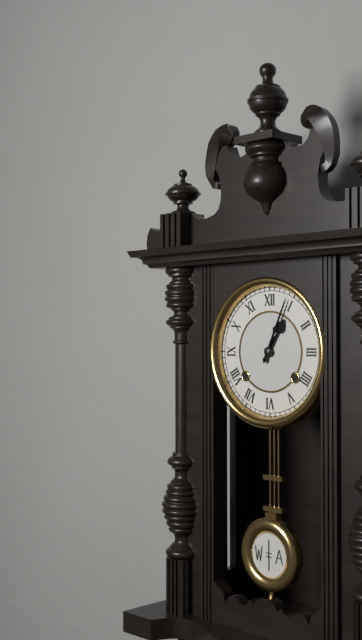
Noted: **1:04**
